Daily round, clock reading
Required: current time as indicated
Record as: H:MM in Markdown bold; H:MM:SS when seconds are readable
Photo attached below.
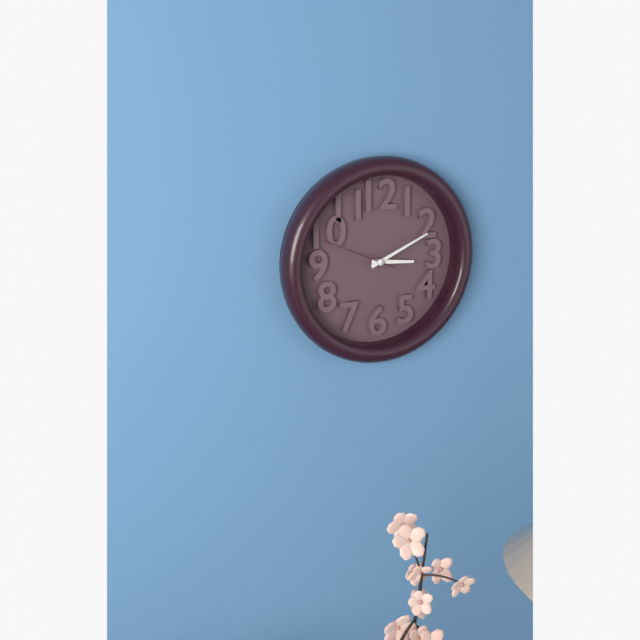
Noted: **3:11:49**
